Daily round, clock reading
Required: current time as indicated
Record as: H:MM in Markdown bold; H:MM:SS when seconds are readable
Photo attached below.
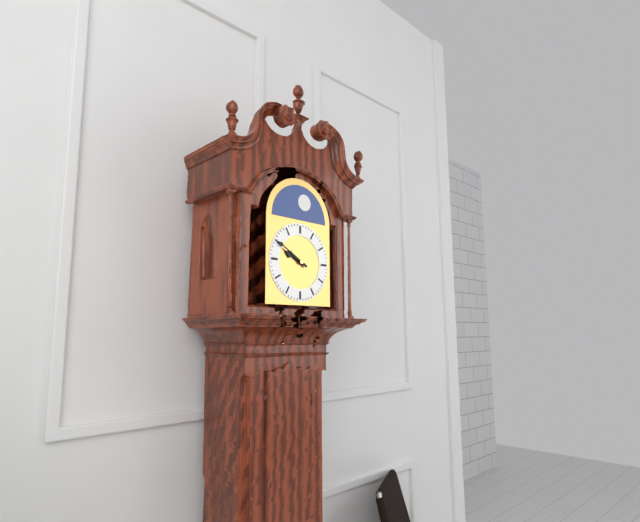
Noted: **9:50**
